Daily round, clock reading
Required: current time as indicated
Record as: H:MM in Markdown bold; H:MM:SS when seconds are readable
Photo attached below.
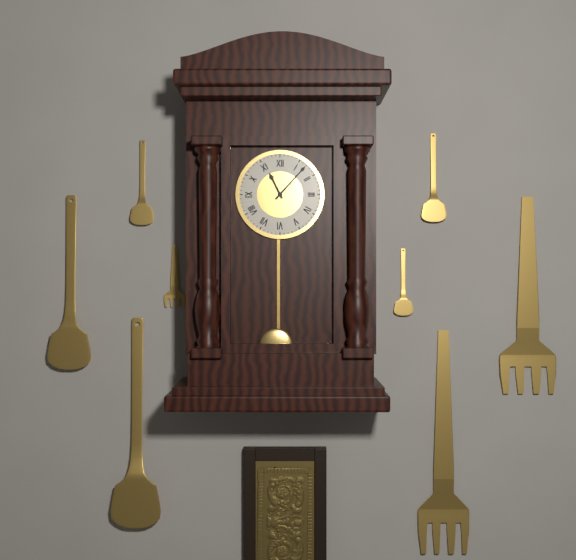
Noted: **11:07**
